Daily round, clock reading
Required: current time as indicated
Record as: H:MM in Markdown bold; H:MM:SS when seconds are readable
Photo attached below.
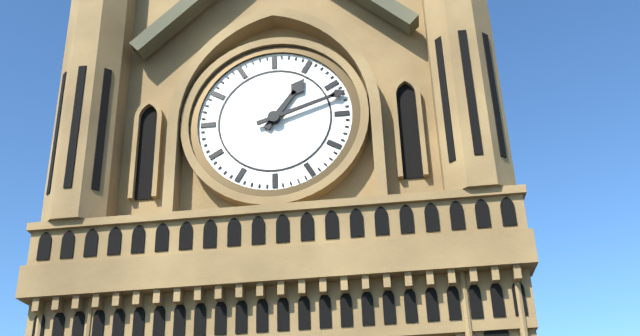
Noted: **1:12**
